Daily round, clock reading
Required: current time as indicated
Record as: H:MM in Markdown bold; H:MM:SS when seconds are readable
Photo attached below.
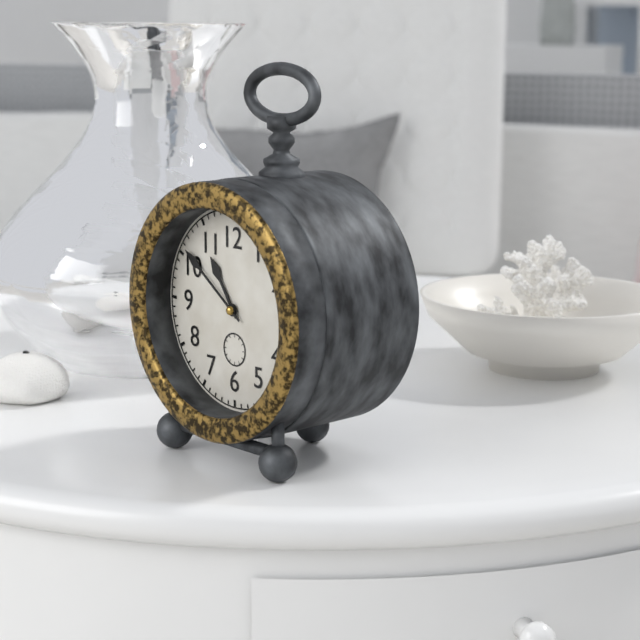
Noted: **10:51**
